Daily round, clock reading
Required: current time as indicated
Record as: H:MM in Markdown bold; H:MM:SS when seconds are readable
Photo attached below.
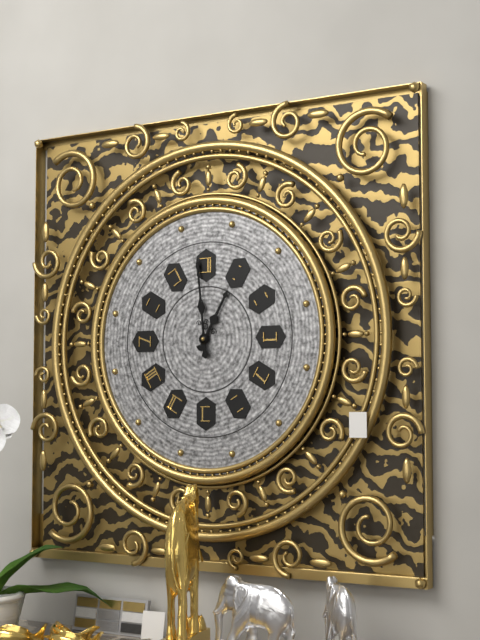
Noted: **12:59**
